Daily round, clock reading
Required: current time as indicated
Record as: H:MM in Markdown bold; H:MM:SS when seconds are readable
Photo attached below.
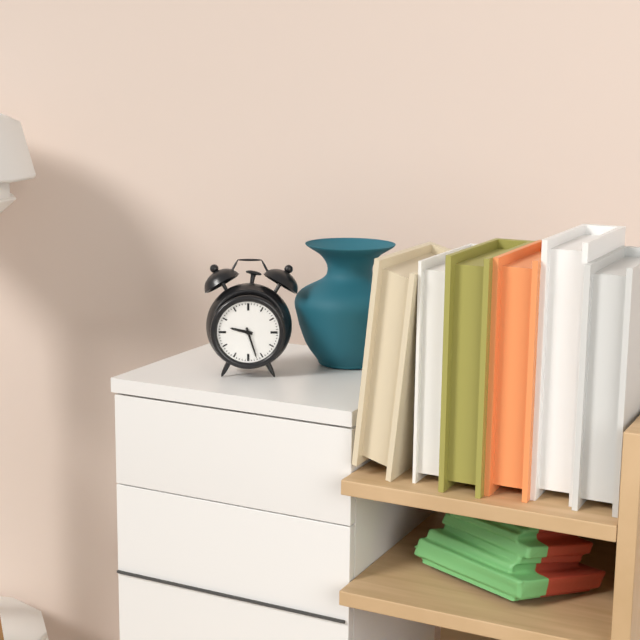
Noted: **9:27**
